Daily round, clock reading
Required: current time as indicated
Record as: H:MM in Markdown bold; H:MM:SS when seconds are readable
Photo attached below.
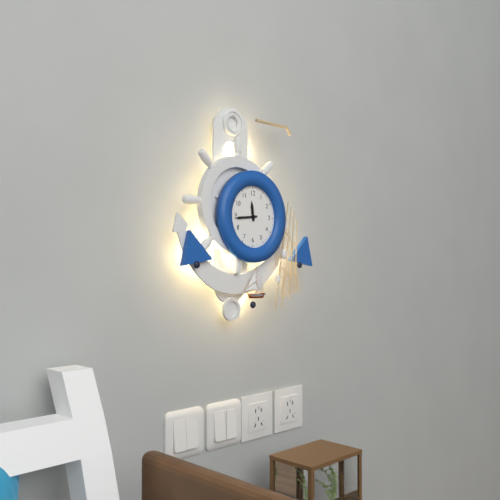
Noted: **11:44**
